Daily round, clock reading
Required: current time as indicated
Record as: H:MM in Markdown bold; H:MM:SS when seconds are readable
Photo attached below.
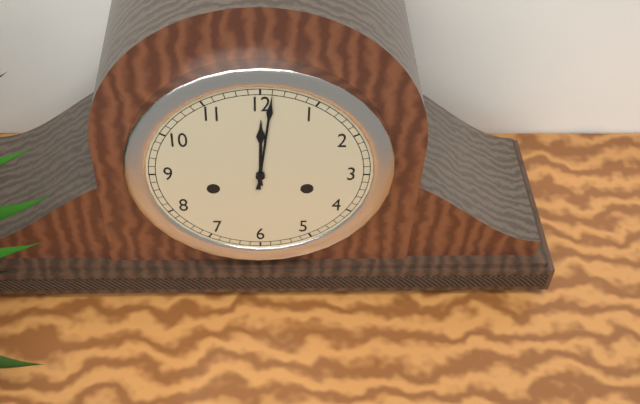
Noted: **12:01**
